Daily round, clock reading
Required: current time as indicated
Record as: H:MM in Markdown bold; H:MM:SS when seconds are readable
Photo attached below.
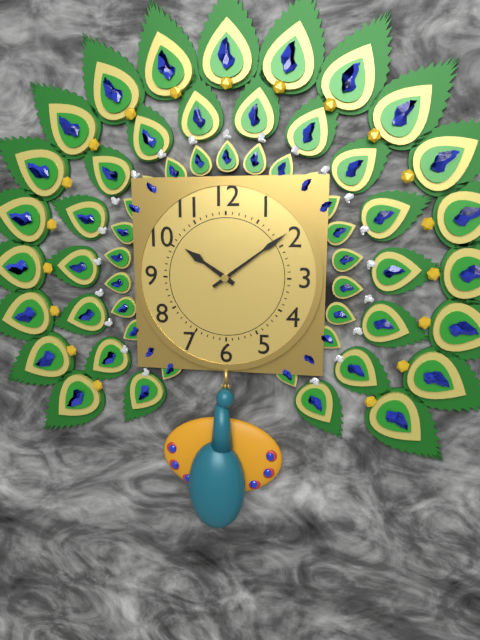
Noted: **10:09**
